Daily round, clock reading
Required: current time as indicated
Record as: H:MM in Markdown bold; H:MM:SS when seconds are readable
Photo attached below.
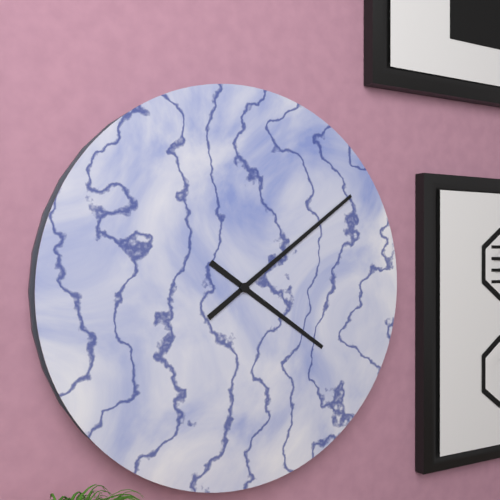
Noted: **4:09**
